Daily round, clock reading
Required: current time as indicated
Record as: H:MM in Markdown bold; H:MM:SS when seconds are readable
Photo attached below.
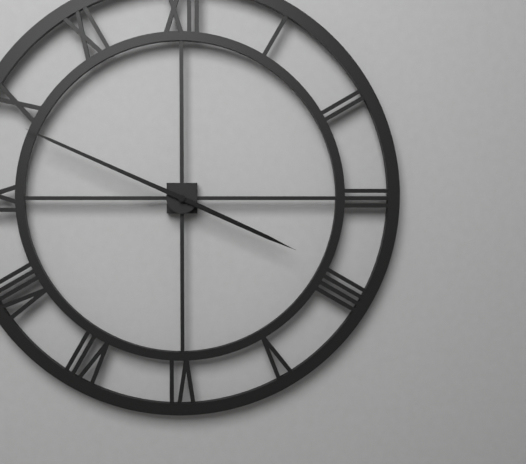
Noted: **3:49**
